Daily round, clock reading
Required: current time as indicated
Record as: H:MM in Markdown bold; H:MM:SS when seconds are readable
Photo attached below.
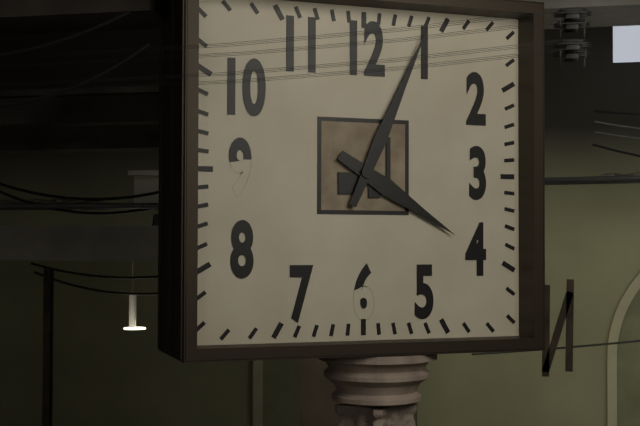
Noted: **4:04**
